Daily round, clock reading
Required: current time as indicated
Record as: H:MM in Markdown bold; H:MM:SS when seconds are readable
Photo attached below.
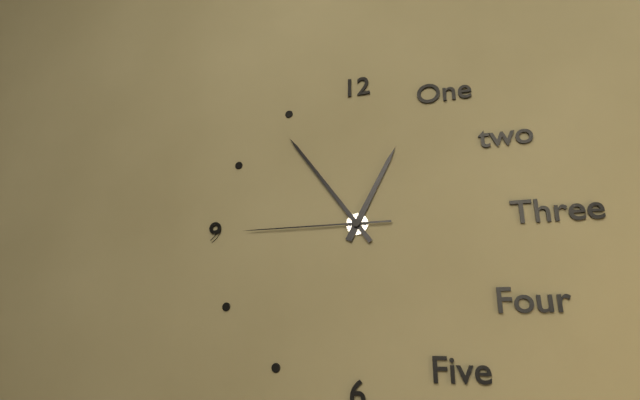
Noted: **12:54:45**
